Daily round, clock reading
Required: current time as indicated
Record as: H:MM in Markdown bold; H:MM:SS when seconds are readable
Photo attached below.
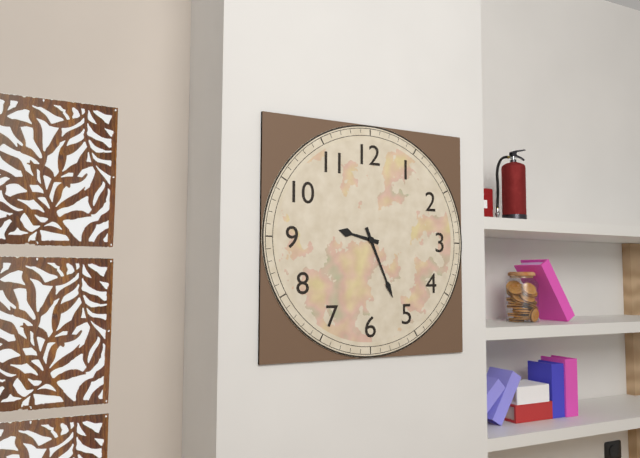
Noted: **9:26**
